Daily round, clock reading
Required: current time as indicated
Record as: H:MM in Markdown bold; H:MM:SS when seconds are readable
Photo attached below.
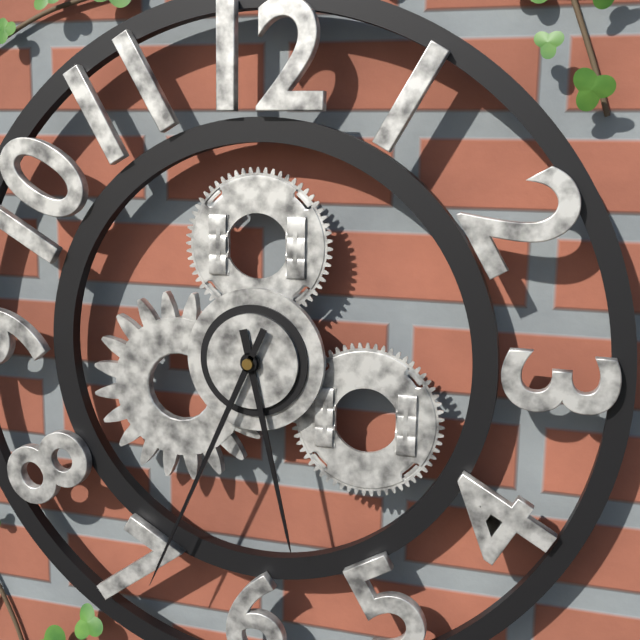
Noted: **5:34**
